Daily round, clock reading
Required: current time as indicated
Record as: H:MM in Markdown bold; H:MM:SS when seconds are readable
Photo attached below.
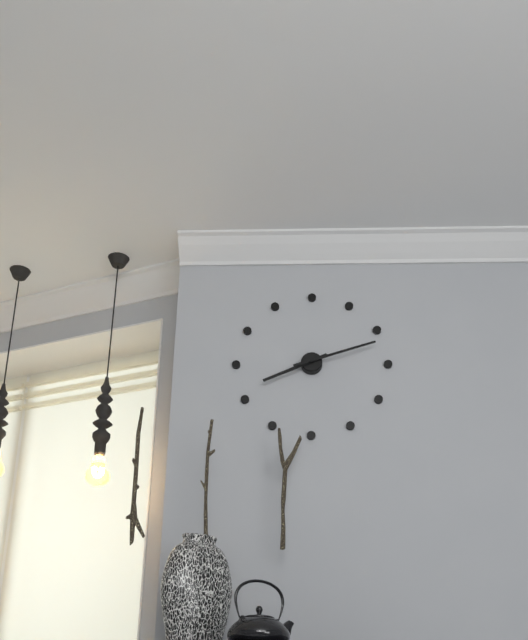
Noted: **8:12**
